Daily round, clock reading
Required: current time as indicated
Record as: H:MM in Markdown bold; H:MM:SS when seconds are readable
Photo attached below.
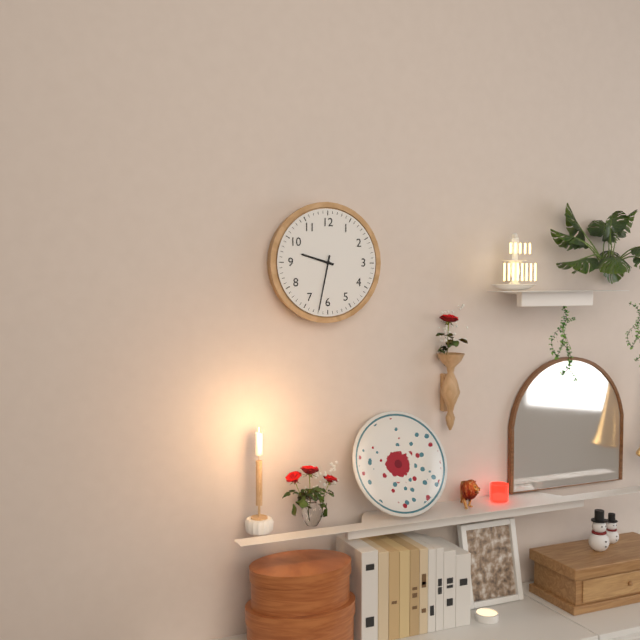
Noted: **9:32**
